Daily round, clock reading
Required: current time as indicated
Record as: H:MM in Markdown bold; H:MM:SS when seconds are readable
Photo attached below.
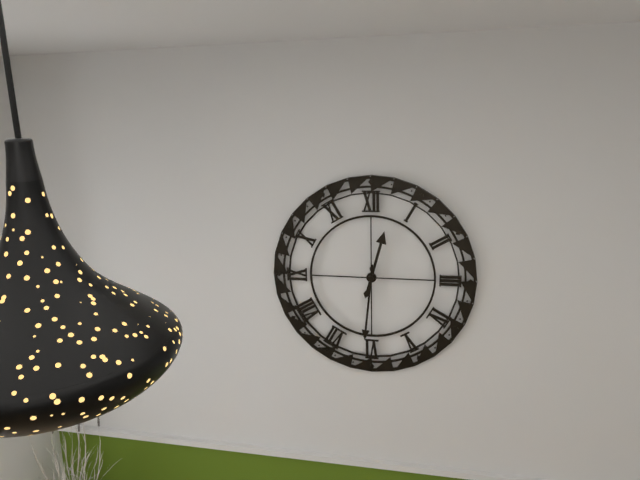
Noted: **12:31**
